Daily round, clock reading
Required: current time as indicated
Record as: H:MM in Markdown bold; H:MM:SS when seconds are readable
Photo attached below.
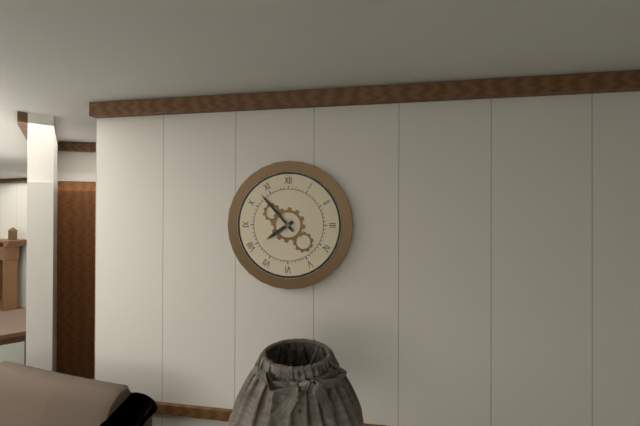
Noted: **7:53**
